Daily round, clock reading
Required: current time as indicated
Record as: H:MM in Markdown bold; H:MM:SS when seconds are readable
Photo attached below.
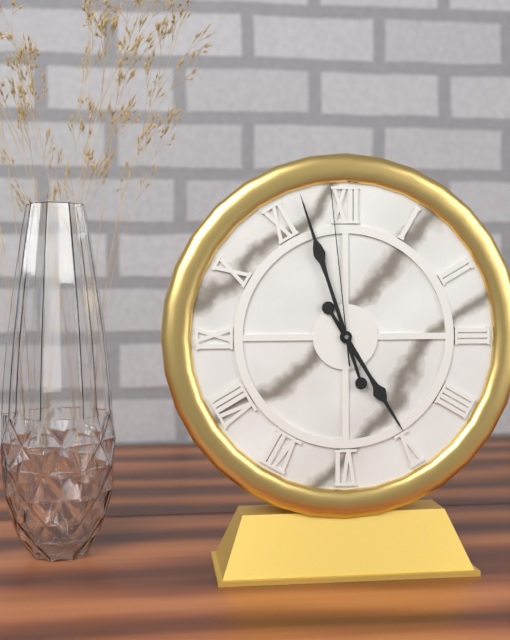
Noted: **4:57:59**
